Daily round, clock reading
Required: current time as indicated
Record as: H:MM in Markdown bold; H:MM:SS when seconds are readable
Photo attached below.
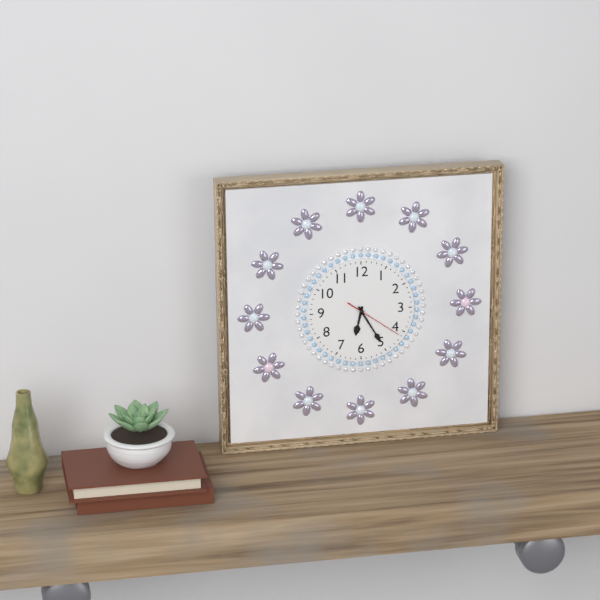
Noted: **6:25:21**
